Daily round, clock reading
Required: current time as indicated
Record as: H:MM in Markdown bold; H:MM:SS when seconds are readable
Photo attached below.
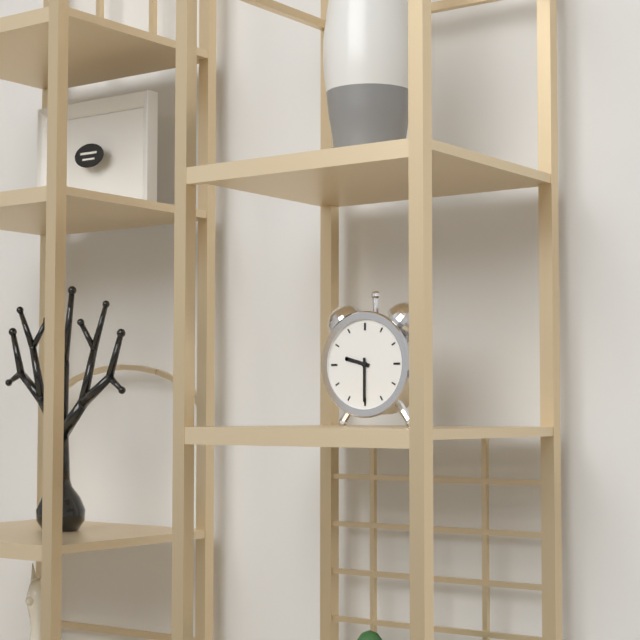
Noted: **9:30**
